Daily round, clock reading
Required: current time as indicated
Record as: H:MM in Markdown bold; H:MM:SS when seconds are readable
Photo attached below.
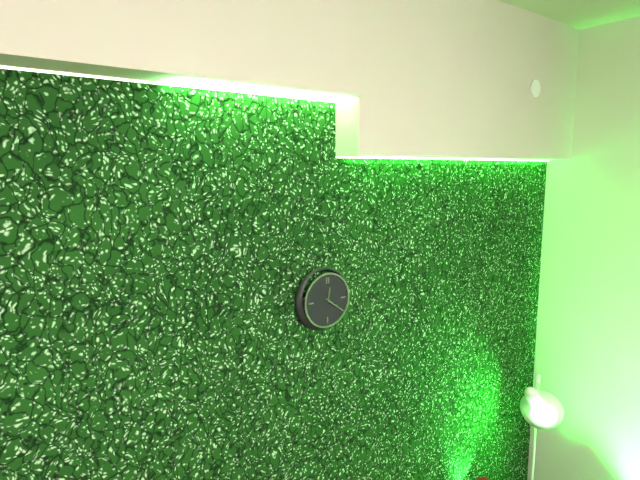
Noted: **12:21**
